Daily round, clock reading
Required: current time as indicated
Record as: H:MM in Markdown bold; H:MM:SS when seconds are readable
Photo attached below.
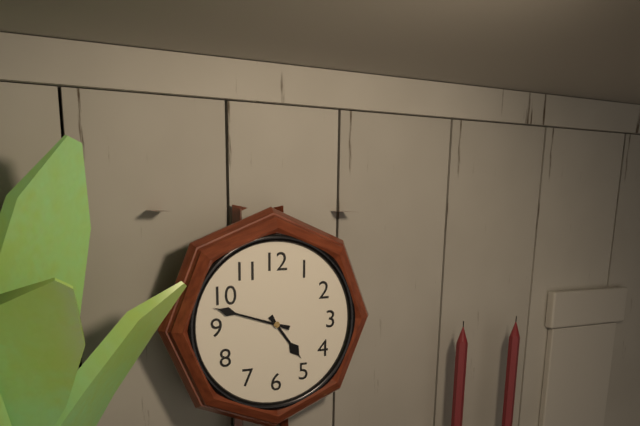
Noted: **4:48**
